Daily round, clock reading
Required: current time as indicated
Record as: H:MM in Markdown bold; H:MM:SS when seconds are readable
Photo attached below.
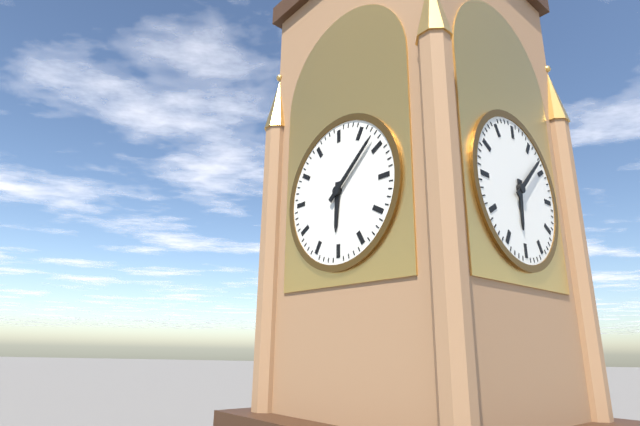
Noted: **6:08**
